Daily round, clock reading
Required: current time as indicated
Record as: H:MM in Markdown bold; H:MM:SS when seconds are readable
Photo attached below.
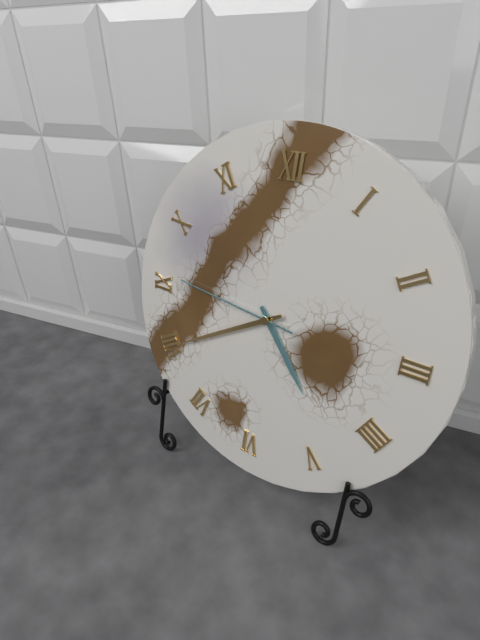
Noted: **4:40:46**
